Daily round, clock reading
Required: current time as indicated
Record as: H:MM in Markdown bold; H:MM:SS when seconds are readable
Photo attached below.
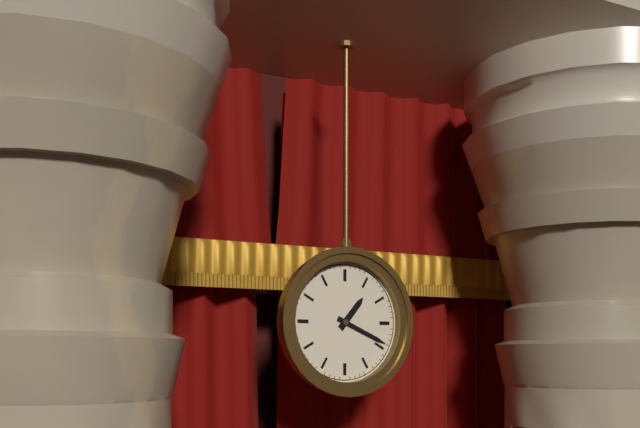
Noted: **1:19**
